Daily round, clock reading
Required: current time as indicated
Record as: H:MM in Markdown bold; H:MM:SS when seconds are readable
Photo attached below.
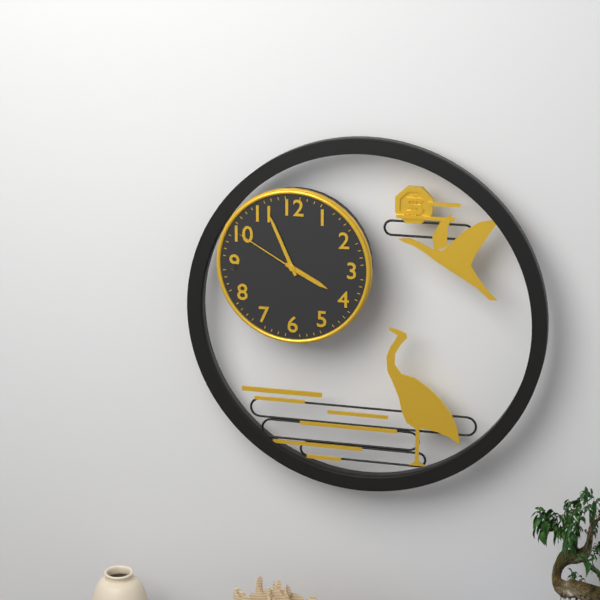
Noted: **3:56:50**
